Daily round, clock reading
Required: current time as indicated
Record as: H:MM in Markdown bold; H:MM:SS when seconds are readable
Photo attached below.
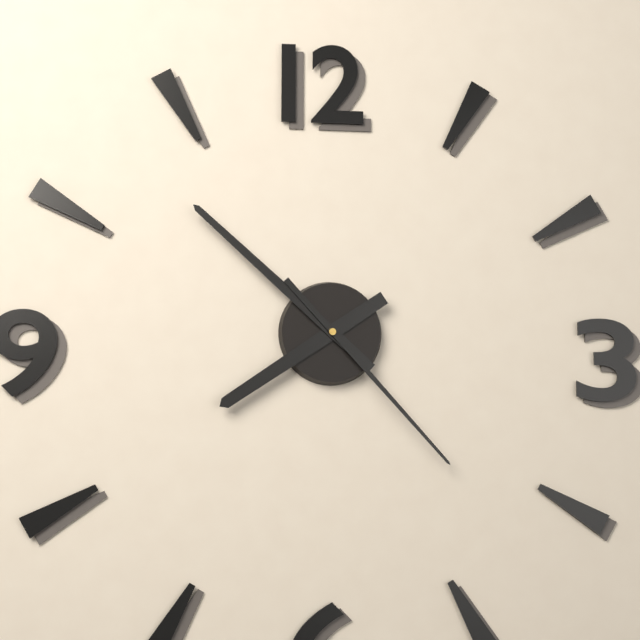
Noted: **7:52:23**
